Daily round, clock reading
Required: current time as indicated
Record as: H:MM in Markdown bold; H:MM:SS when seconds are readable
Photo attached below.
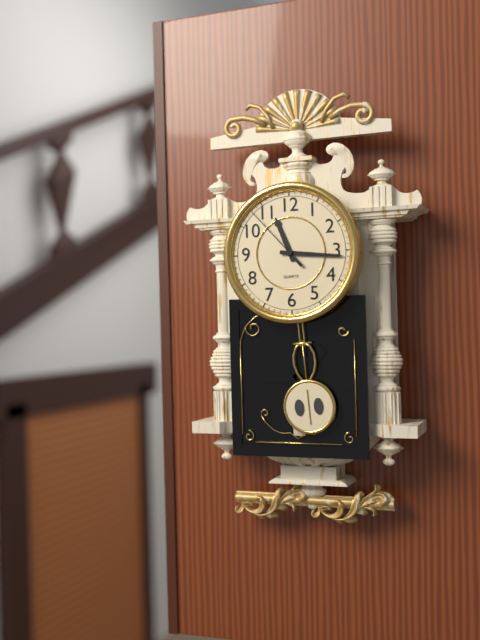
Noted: **11:16:53**
